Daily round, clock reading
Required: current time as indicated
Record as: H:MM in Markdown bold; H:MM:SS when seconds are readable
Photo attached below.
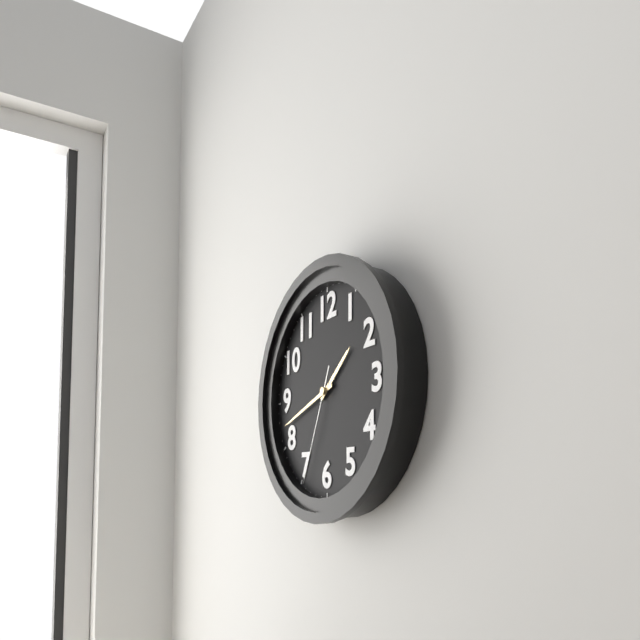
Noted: **1:42:34**
